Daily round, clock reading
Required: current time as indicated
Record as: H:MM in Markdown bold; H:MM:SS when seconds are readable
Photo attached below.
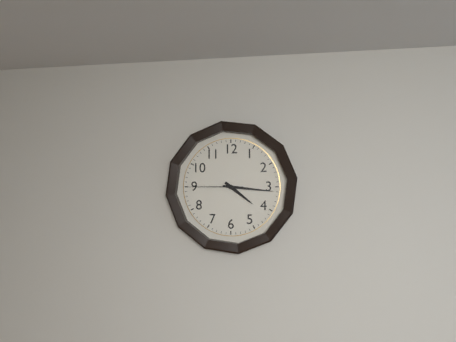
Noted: **4:16:45**
